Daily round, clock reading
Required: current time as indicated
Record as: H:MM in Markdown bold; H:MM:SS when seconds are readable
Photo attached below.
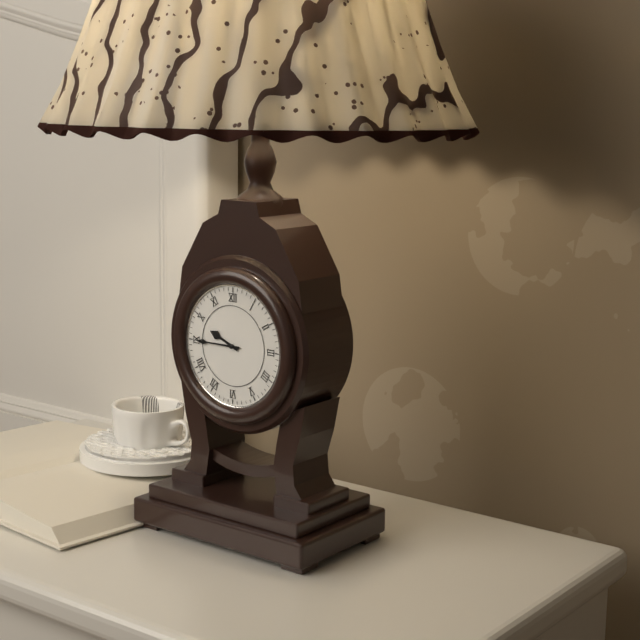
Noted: **9:45**
